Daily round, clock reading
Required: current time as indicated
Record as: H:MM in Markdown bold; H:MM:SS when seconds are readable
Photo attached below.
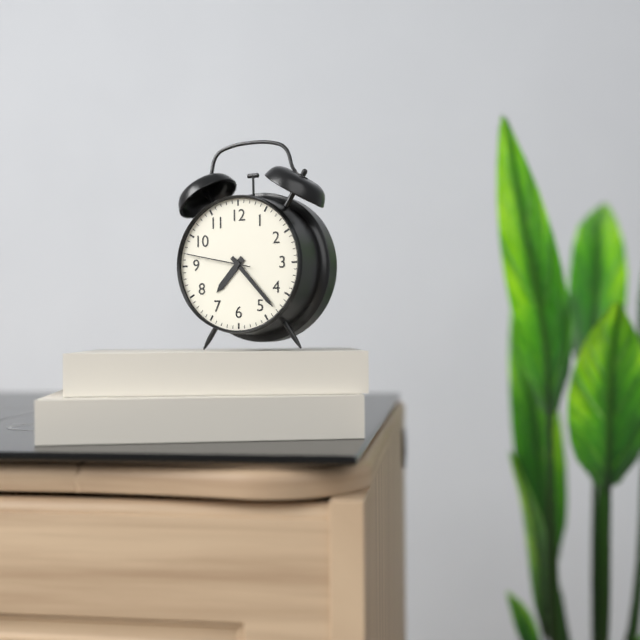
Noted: **7:23:47**
